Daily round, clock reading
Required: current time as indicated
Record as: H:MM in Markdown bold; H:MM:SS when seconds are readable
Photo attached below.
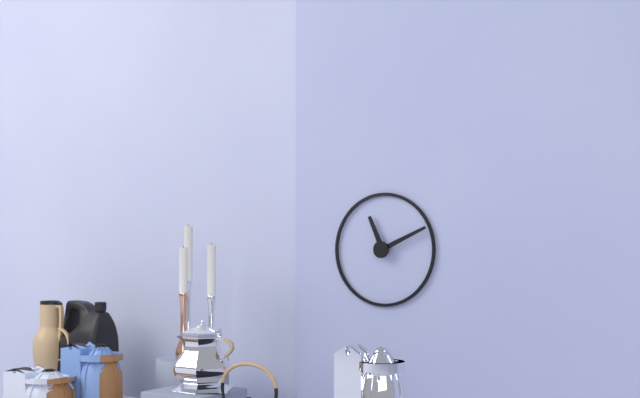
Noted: **11:11**
